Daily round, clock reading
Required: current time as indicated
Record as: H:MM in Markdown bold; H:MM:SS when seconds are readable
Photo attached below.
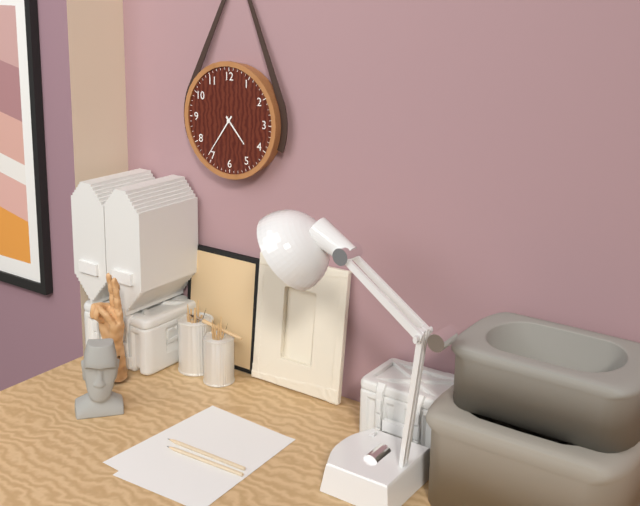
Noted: **4:36**
